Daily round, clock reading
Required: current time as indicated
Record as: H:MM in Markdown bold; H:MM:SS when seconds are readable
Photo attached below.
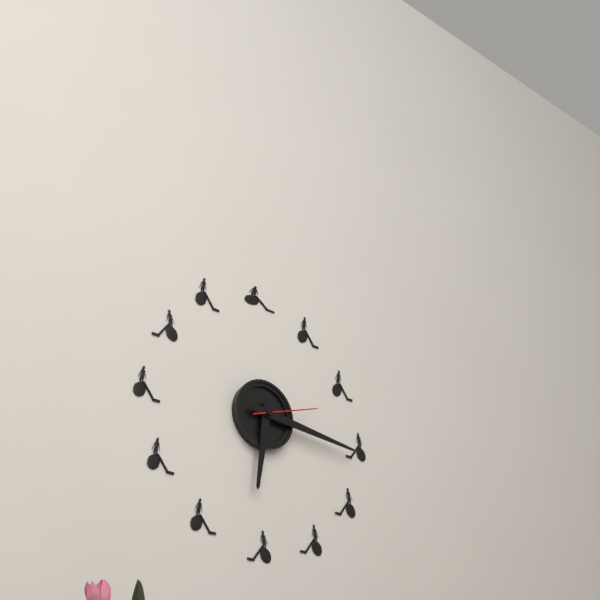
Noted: **6:16:12**
